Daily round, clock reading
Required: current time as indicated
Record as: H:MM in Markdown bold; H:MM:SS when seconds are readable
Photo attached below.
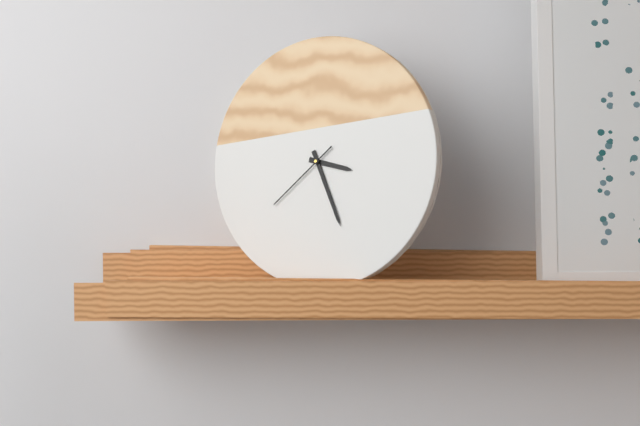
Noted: **3:26:38**
